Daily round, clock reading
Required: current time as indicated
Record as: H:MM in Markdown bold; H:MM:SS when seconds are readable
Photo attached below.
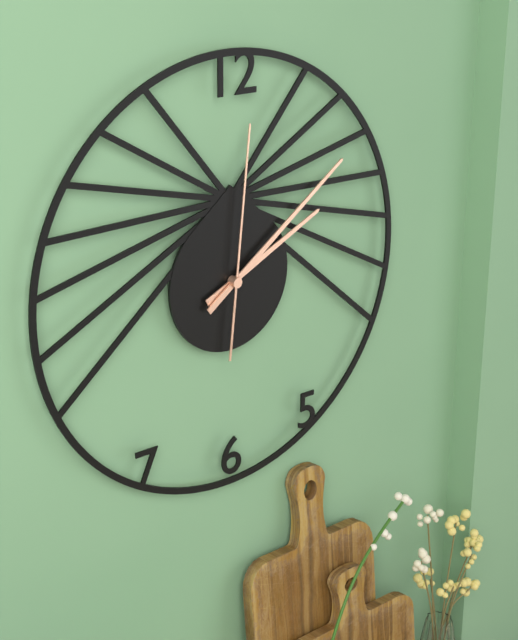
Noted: **2:09:01**
